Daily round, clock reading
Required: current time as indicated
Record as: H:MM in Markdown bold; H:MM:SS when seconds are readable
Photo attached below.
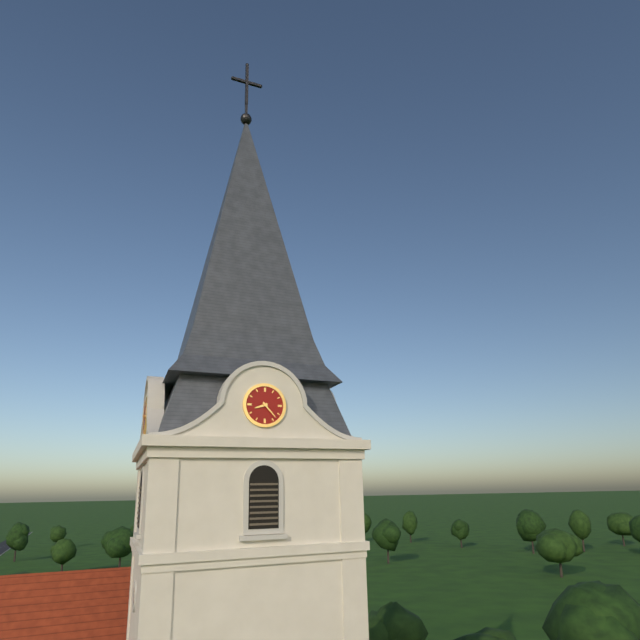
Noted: **8:23**
